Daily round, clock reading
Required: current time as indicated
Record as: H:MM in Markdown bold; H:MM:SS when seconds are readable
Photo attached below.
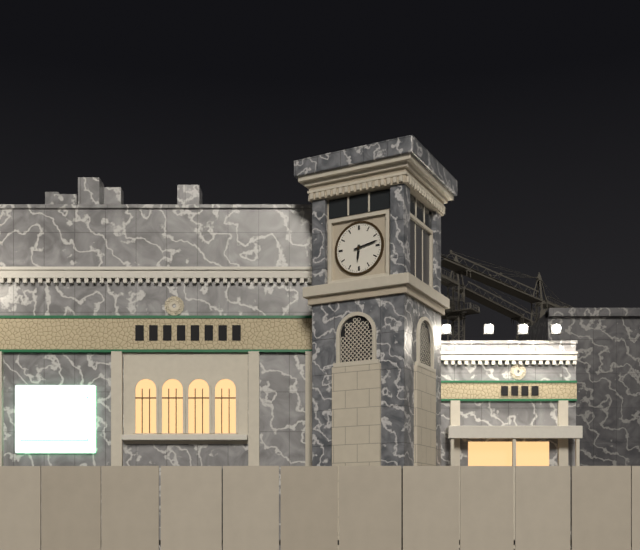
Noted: **6:13**
